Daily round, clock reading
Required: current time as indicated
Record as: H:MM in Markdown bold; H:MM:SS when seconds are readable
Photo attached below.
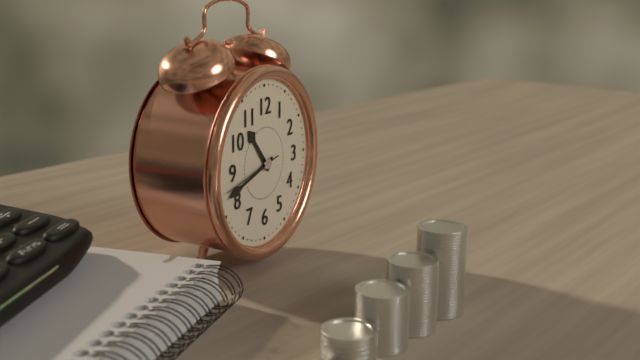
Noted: **10:42:43**
